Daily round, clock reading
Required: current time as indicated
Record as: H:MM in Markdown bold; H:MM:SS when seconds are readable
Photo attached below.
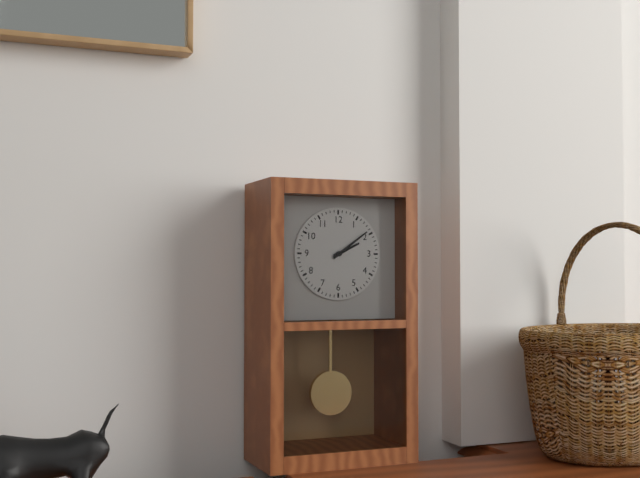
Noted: **2:09**
